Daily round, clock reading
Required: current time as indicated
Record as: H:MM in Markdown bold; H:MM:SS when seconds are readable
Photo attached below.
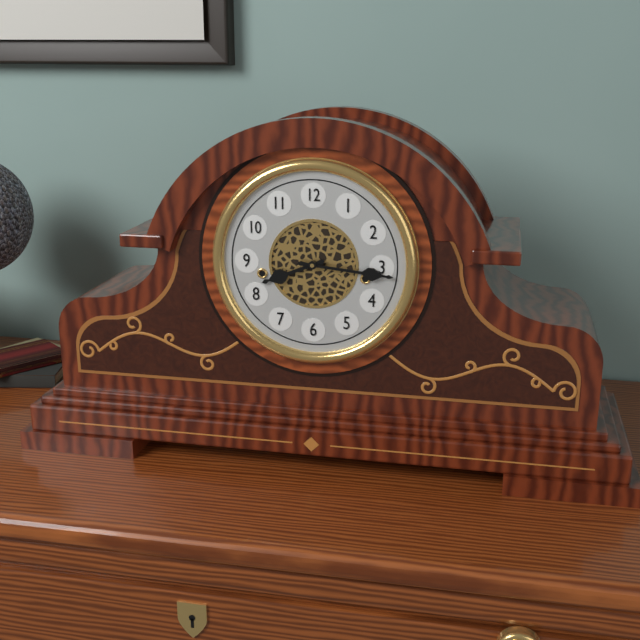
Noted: **8:16**
